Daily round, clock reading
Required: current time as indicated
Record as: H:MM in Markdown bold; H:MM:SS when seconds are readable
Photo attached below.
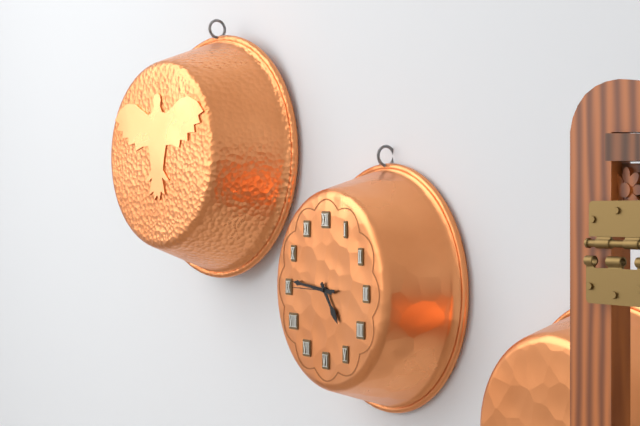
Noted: **4:46**
